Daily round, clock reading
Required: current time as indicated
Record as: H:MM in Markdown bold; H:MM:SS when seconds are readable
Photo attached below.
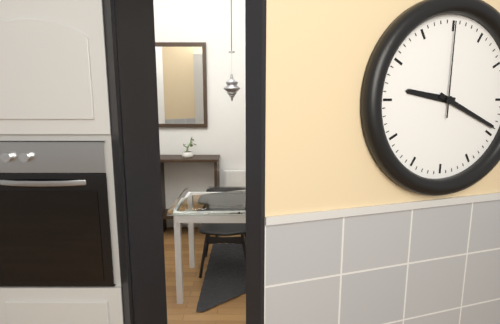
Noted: **9:19:00**
